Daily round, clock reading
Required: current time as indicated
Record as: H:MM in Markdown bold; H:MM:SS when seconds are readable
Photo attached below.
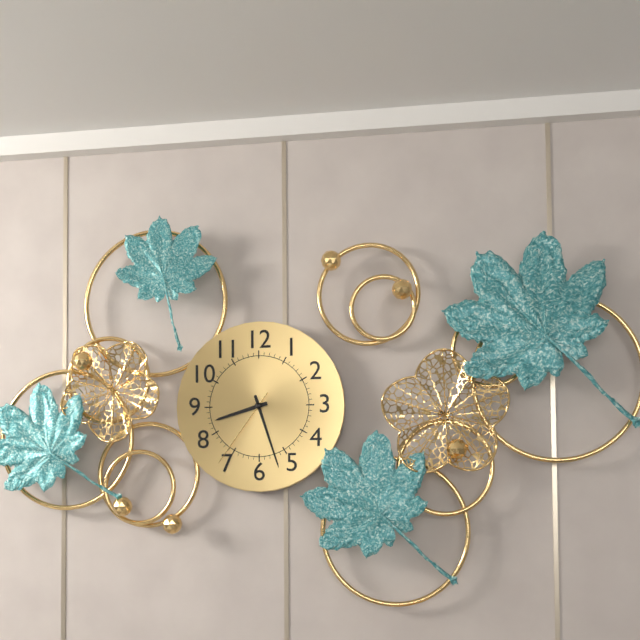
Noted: **8:27:36**
